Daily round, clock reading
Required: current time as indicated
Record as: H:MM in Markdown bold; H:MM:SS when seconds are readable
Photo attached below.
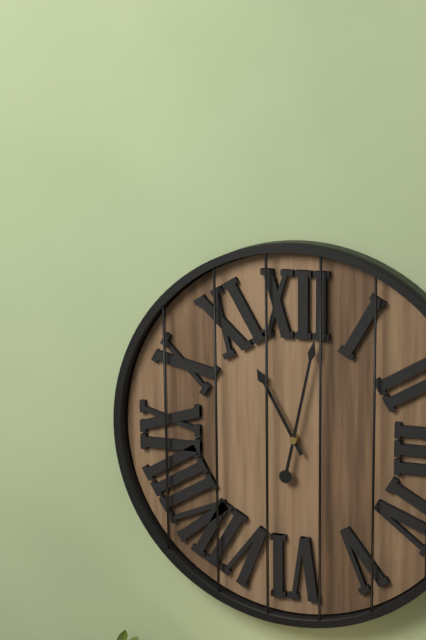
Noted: **11:02**
